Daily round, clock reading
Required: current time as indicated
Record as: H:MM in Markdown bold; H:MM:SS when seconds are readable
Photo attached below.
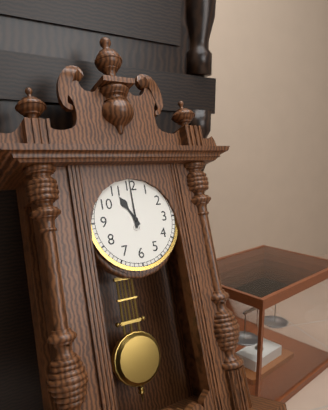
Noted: **11:00**
